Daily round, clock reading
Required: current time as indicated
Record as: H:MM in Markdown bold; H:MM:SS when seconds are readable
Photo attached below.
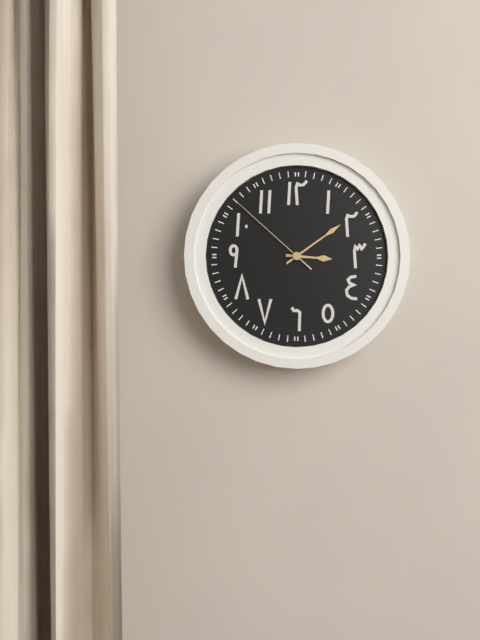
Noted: **3:09:52**
